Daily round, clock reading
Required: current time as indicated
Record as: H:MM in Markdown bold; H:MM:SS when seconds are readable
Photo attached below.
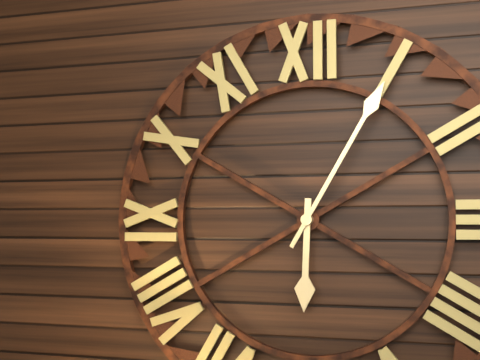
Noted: **6:05**
